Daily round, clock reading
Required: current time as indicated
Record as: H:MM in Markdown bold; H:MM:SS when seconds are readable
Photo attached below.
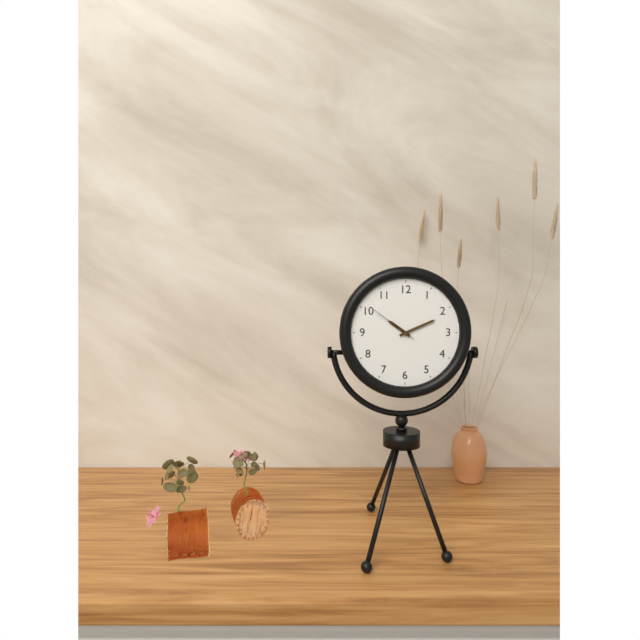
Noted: **10:11**
